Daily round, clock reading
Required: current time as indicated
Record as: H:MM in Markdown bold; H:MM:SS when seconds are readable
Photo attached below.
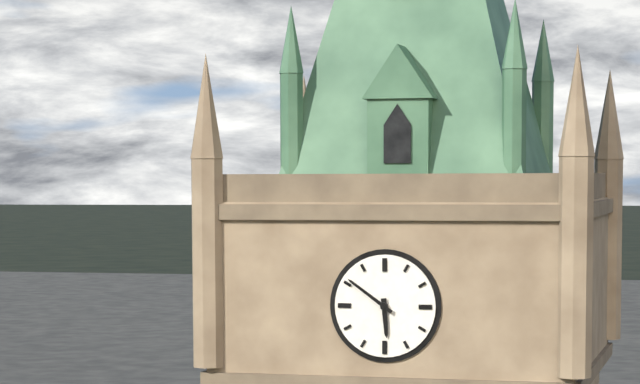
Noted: **5:51**
